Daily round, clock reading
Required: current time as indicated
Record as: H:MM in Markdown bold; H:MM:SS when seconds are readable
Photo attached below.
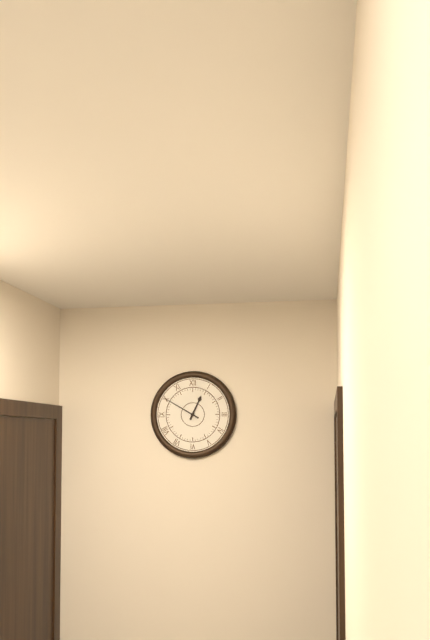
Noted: **12:50**
